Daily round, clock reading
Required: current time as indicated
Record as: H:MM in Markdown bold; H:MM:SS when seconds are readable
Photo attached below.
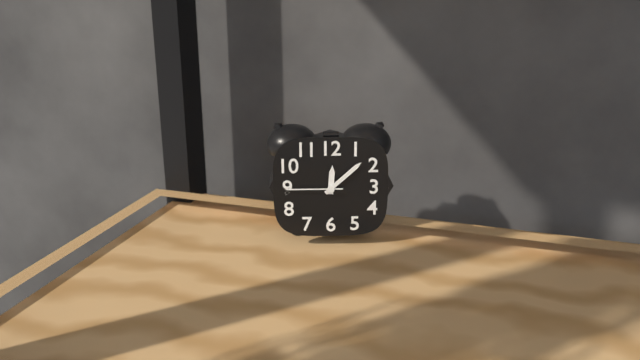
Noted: **12:08:45**
